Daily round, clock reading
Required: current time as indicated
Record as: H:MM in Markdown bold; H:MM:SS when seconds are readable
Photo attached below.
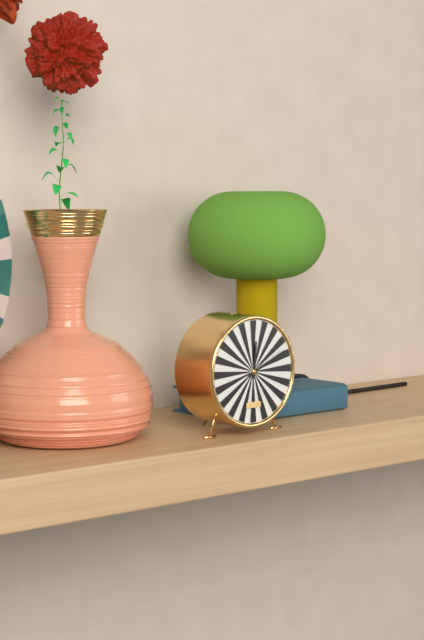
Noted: **12:11**
